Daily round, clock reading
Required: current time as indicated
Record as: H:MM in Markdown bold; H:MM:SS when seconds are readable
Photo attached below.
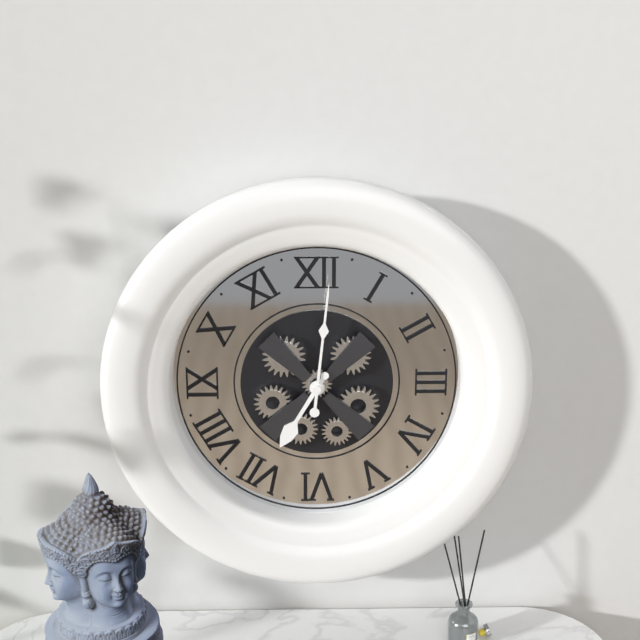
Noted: **7:01**
